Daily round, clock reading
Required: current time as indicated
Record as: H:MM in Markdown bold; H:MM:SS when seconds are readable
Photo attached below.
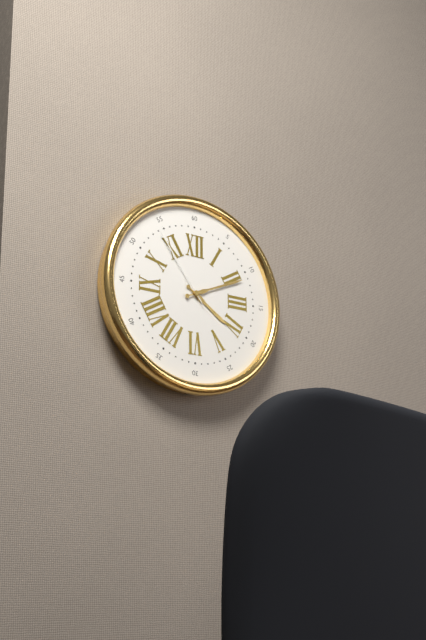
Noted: **4:11:54**
